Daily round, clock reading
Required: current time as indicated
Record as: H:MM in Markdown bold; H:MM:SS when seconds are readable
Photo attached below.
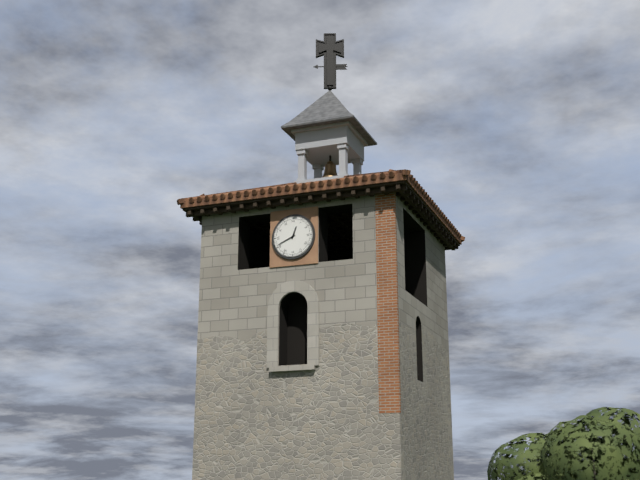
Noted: **12:41**
